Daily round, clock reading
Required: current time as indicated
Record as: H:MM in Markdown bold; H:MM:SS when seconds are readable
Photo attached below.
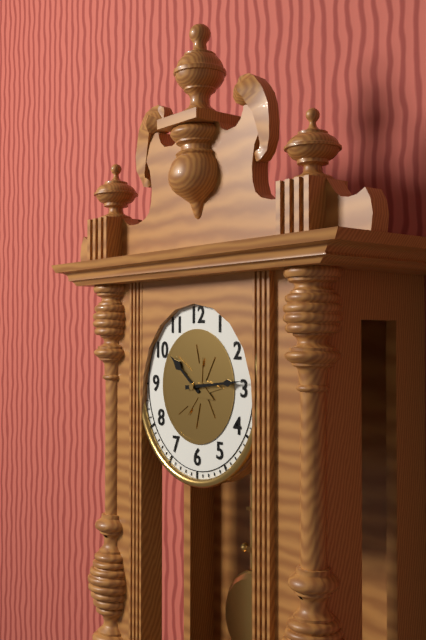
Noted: **10:14**
